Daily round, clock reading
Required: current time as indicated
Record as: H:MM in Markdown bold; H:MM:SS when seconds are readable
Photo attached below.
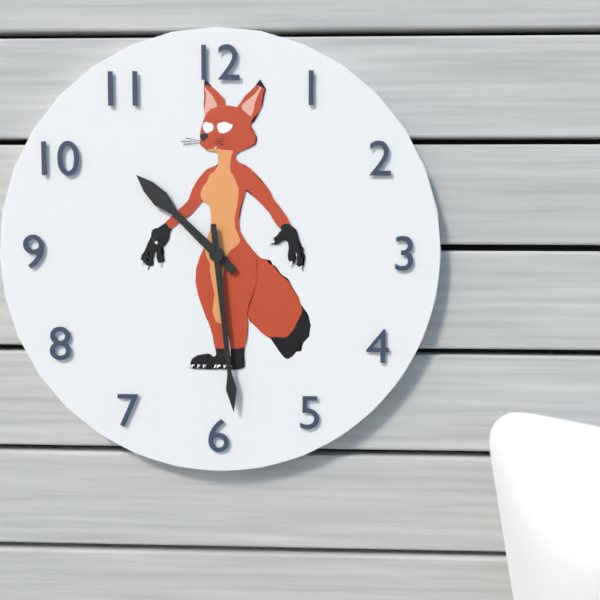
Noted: **10:29**
